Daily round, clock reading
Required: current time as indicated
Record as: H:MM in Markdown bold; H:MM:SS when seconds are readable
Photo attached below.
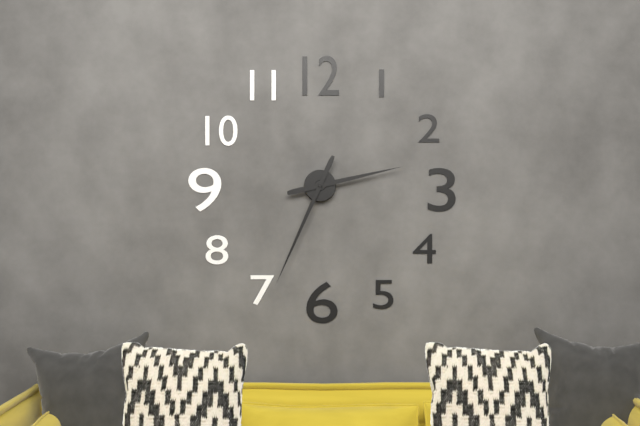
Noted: **2:34**
